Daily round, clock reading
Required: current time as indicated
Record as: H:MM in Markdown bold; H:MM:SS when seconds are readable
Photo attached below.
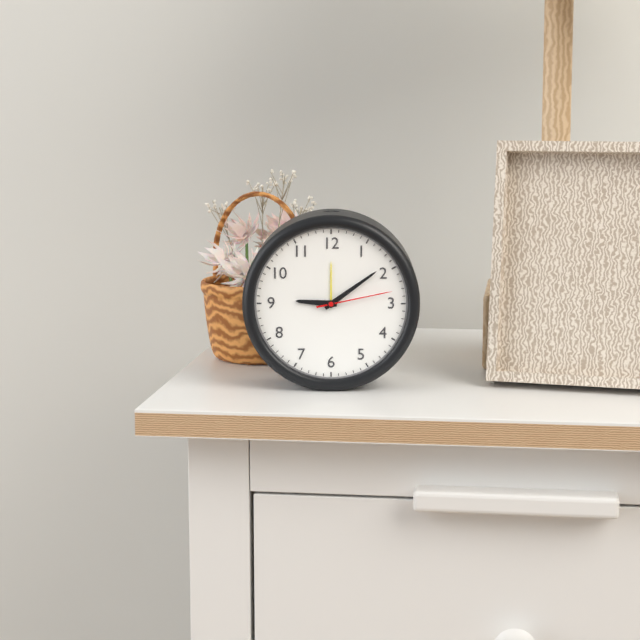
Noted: **9:09:13**
